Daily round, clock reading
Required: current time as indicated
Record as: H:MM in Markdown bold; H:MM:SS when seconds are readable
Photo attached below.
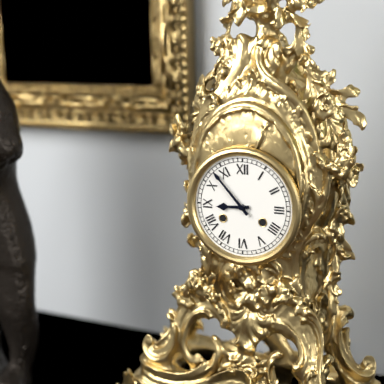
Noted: **8:53**
